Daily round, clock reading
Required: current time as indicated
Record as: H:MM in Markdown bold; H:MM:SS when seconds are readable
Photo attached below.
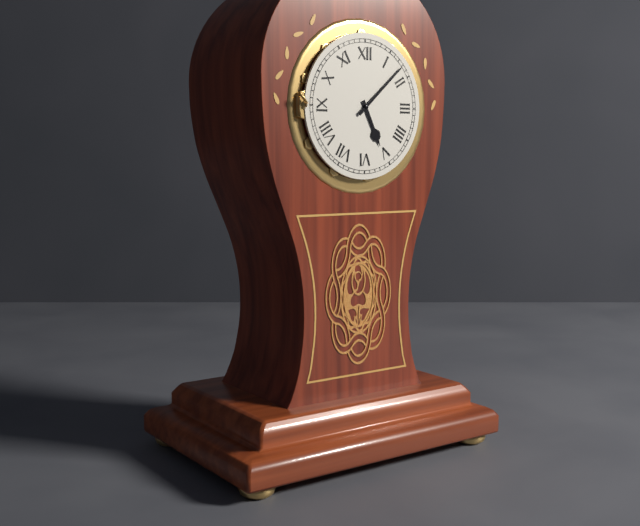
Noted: **5:08**
